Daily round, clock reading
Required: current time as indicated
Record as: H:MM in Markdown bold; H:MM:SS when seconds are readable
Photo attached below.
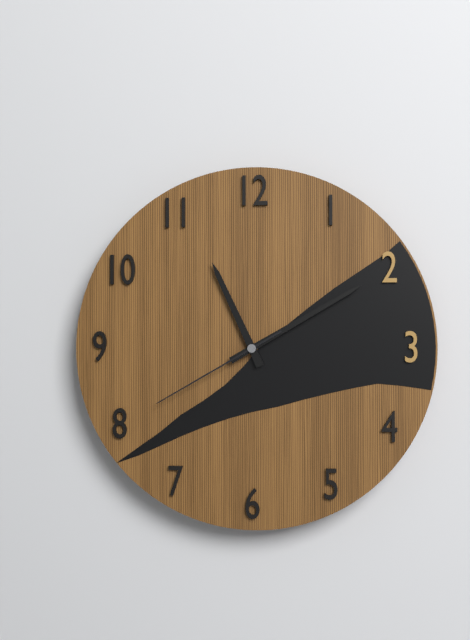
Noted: **11:10:40**
